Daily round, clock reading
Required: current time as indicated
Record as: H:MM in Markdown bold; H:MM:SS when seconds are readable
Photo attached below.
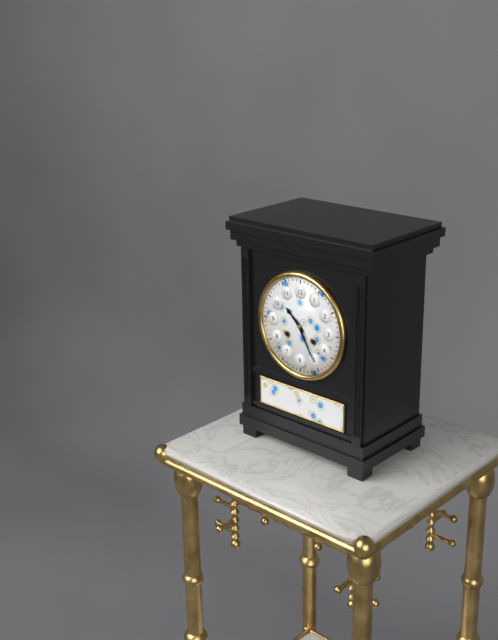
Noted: **10:25**
